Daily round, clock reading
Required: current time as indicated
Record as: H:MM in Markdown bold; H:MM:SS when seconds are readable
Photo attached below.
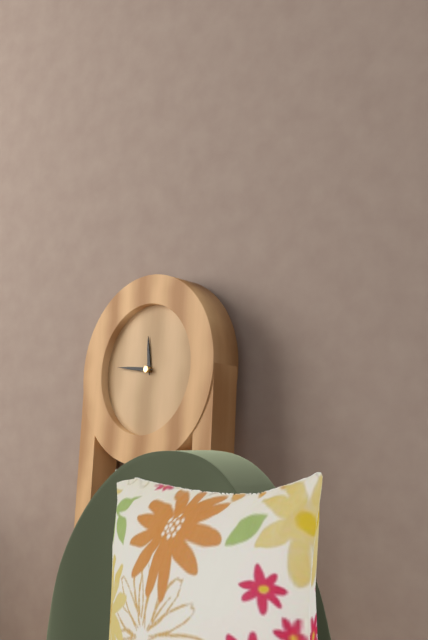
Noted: **11:46**
